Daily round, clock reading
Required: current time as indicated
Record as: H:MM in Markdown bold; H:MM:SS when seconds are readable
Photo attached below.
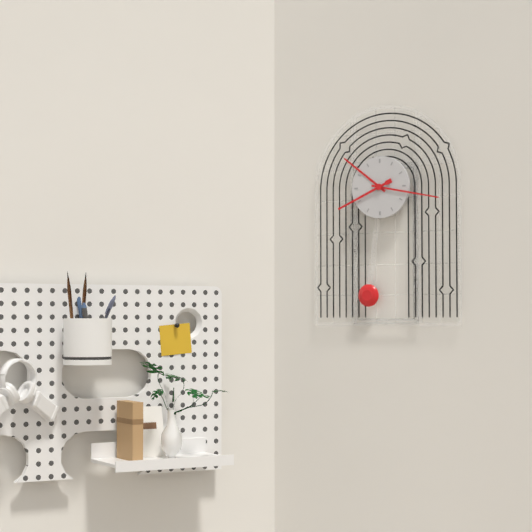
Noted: **10:17:41**
